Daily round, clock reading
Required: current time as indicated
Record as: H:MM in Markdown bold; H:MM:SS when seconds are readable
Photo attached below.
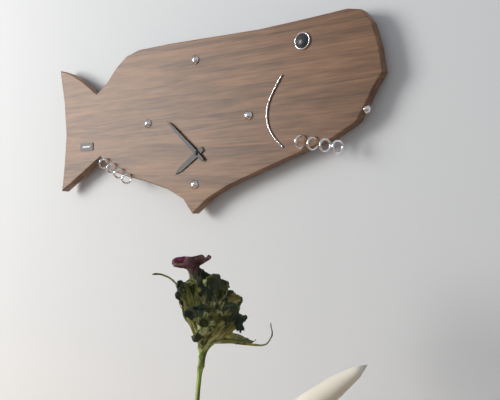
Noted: **7:52**
